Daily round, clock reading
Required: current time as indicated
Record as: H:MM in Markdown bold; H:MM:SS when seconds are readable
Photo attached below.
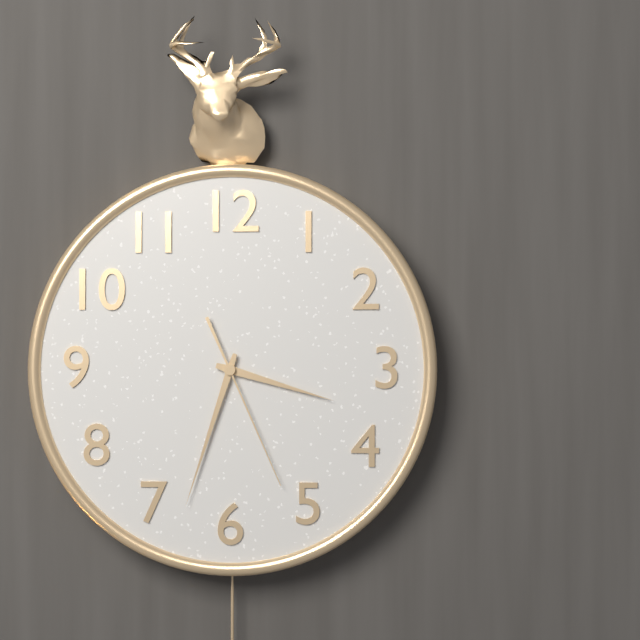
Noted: **3:33:26**
